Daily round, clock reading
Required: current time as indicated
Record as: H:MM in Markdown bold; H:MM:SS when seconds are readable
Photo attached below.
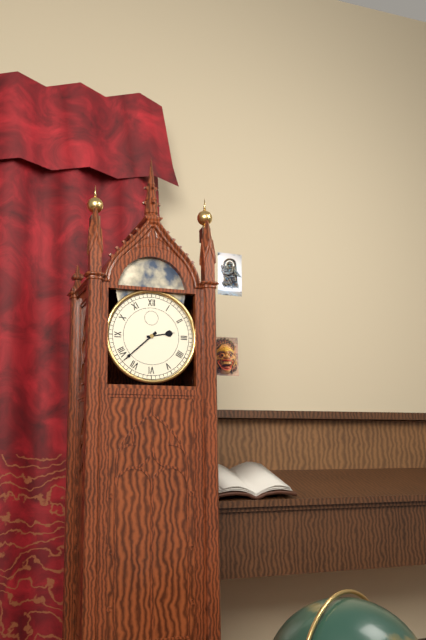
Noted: **2:38**
